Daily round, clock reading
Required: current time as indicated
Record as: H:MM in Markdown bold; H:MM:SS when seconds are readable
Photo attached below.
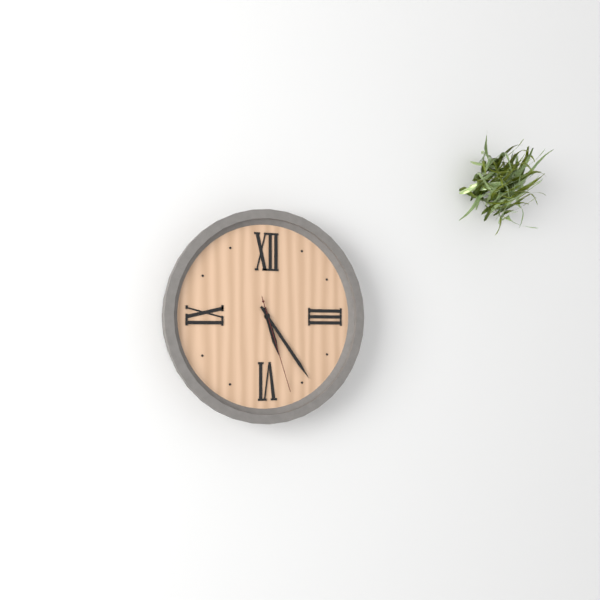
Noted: **5:24:27**
